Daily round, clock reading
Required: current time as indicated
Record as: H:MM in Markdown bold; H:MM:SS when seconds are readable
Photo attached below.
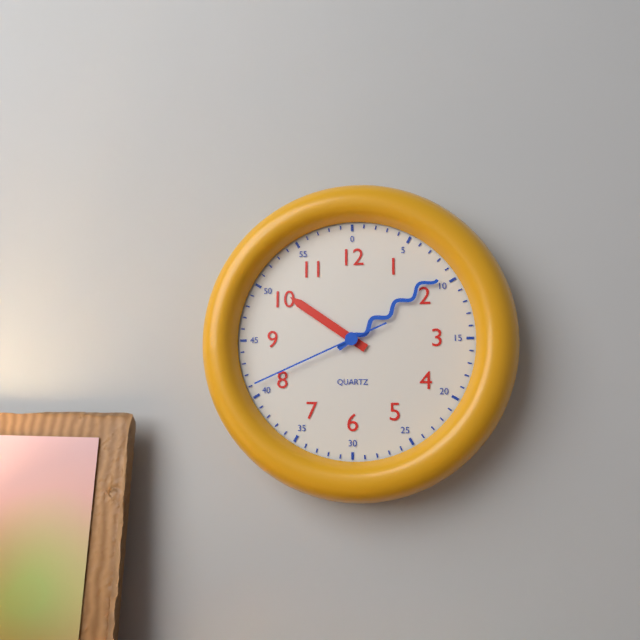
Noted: **10:09:41**
